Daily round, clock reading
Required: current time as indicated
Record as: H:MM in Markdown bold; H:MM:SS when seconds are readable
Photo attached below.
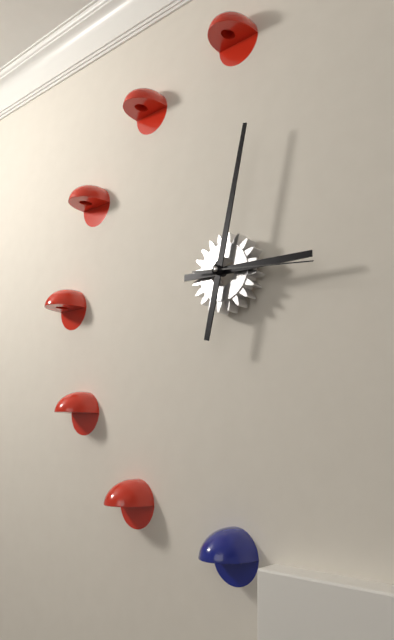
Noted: **3:02:16**
